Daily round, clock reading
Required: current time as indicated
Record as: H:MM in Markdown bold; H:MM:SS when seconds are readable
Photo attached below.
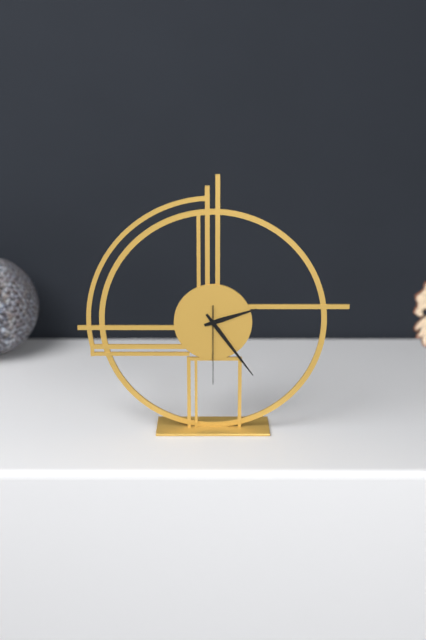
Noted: **2:24:30**
